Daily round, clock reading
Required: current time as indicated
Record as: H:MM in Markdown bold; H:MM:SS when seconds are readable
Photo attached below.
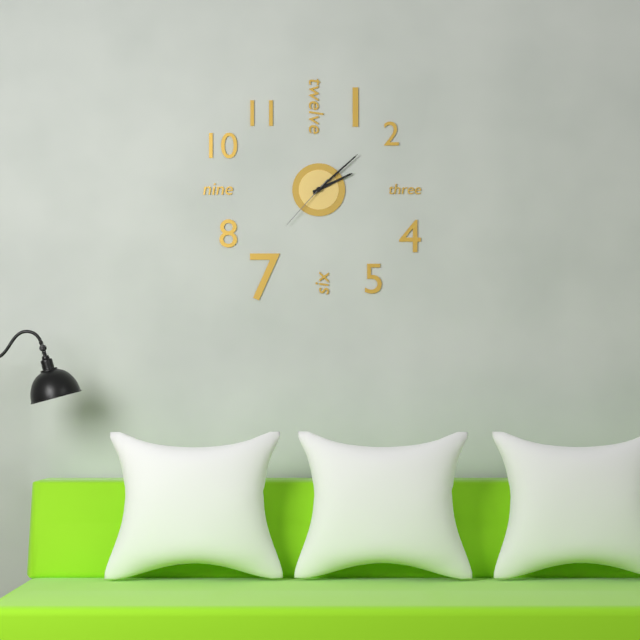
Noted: **2:08:37**
